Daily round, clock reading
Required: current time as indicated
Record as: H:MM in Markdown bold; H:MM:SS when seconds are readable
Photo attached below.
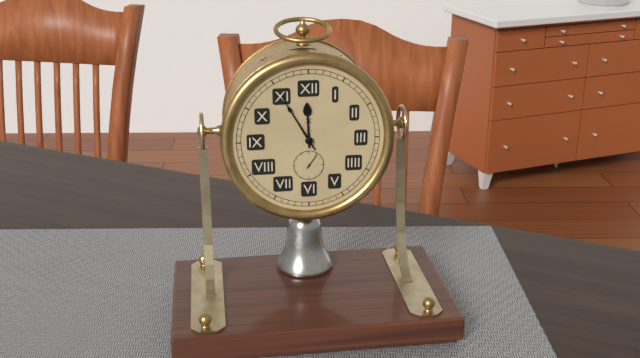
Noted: **11:55**
